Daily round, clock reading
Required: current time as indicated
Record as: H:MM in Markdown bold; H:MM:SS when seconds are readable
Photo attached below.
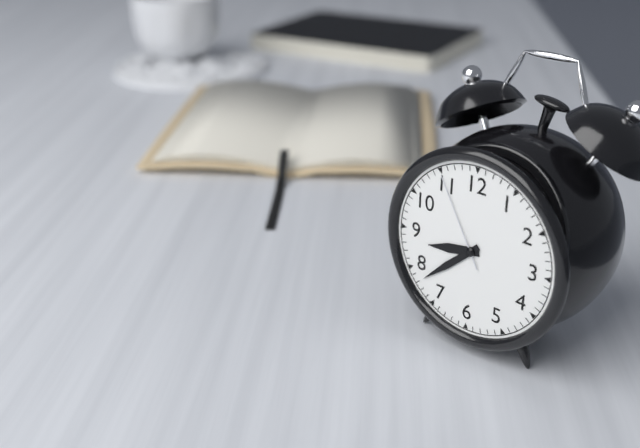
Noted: **8:38:55**
